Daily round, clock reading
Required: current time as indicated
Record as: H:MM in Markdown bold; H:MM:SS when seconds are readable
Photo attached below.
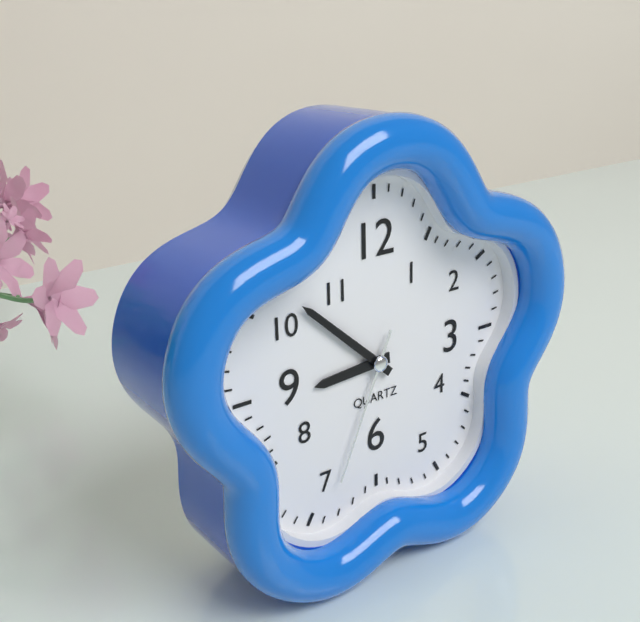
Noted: **8:52:34**
